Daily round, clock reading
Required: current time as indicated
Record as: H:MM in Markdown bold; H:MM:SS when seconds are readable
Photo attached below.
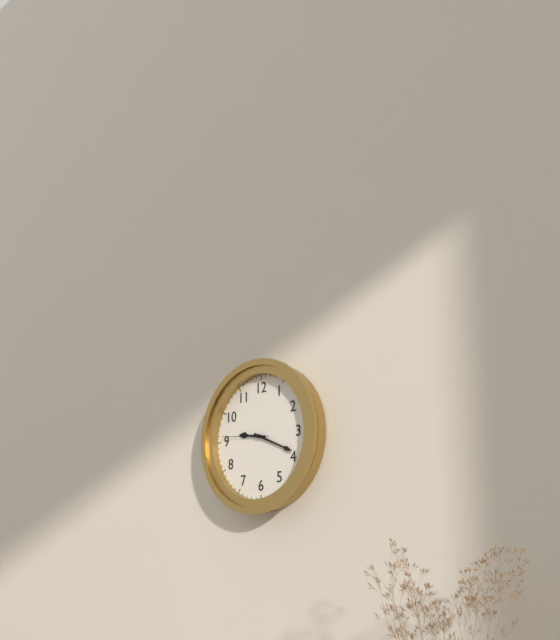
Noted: **9:19**
